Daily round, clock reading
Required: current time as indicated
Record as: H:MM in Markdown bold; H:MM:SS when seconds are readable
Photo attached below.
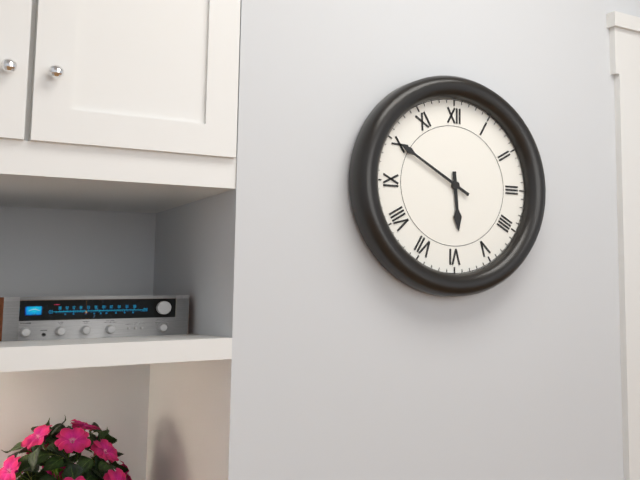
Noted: **5:50**
